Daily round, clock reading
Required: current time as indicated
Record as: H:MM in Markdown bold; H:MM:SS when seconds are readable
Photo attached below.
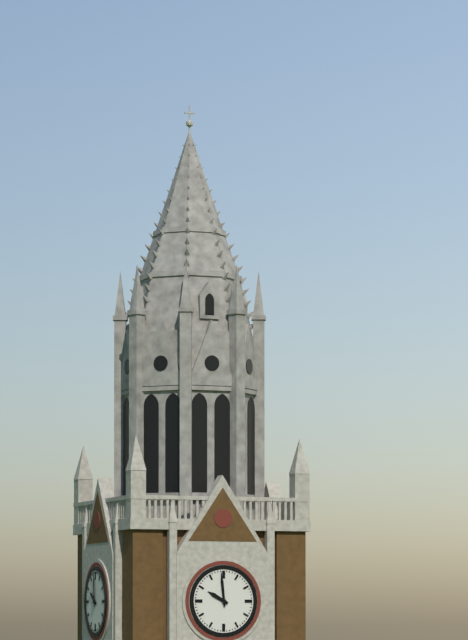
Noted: **9:59**
